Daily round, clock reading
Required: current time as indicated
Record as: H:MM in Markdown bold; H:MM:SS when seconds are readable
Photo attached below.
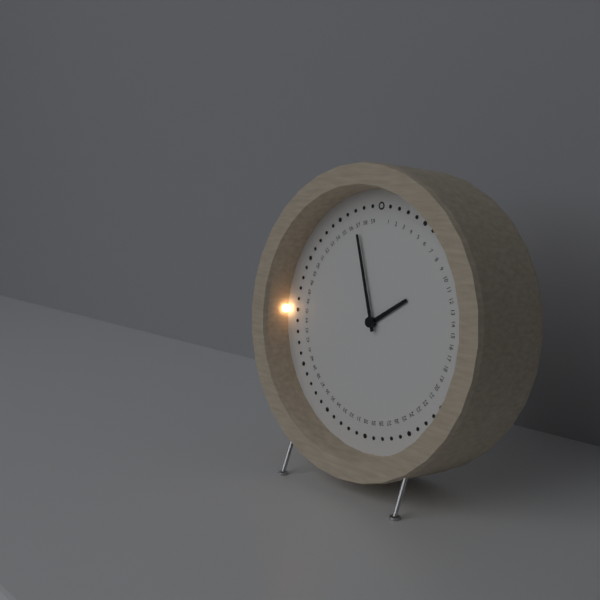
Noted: **1:57**
